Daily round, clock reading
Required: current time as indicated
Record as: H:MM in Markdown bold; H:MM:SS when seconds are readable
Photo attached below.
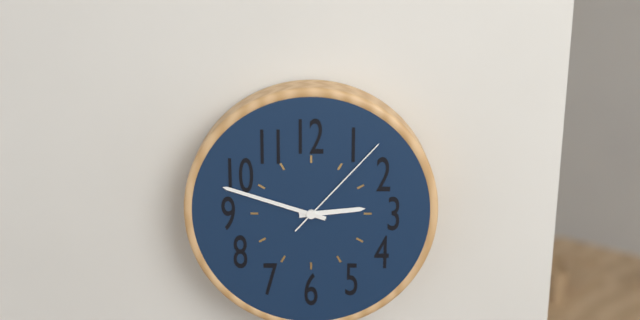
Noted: **2:48:07**
